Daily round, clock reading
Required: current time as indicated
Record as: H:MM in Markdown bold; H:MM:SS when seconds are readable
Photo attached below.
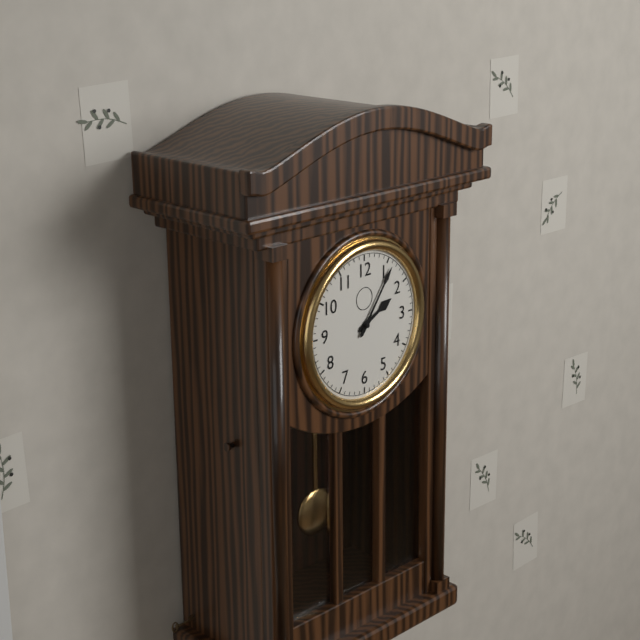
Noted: **2:06**
